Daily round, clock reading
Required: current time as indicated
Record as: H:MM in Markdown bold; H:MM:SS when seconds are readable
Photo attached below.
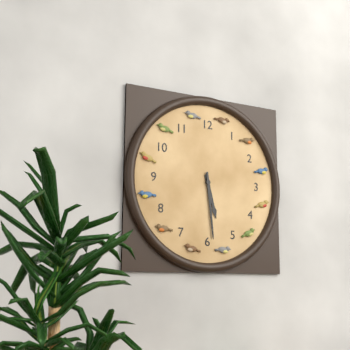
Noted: **5:29**
